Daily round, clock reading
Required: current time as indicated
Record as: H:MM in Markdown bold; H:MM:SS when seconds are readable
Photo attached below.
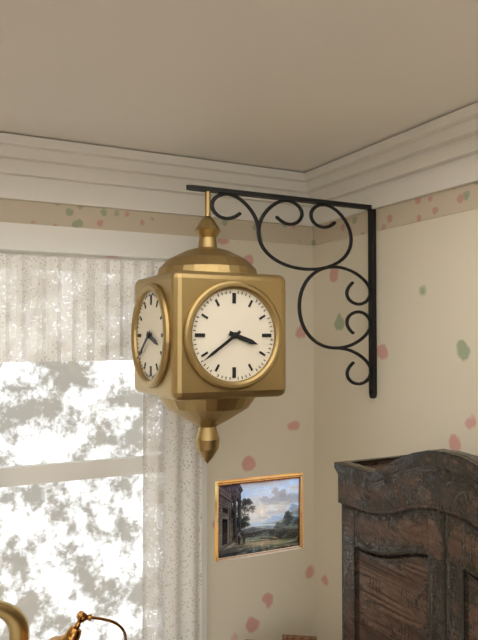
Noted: **3:39**
